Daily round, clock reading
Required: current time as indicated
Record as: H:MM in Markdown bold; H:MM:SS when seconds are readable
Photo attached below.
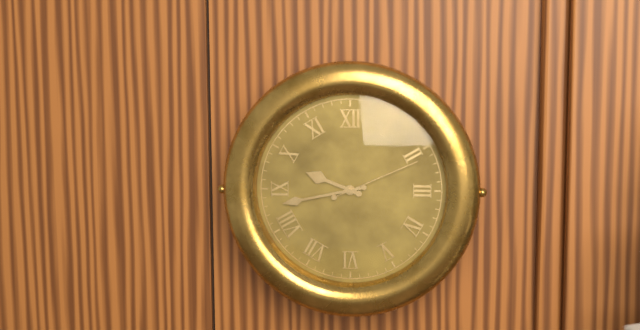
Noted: **9:43:11**
